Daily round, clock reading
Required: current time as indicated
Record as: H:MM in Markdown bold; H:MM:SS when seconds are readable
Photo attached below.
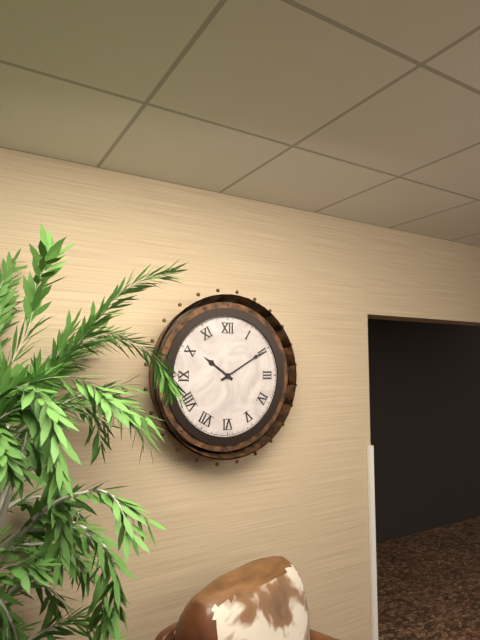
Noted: **10:10**
